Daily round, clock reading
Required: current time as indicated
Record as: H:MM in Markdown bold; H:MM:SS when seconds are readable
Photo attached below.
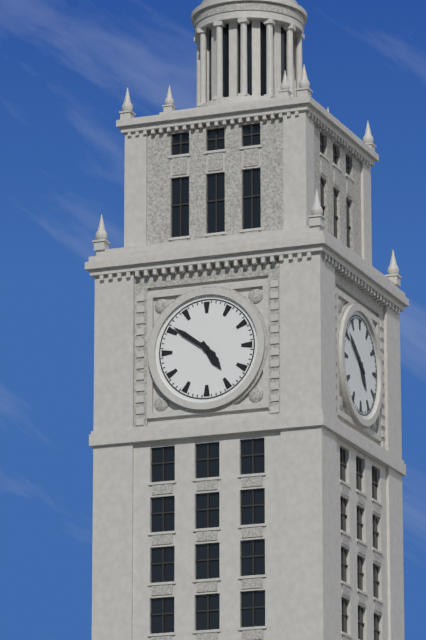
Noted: **4:51**
